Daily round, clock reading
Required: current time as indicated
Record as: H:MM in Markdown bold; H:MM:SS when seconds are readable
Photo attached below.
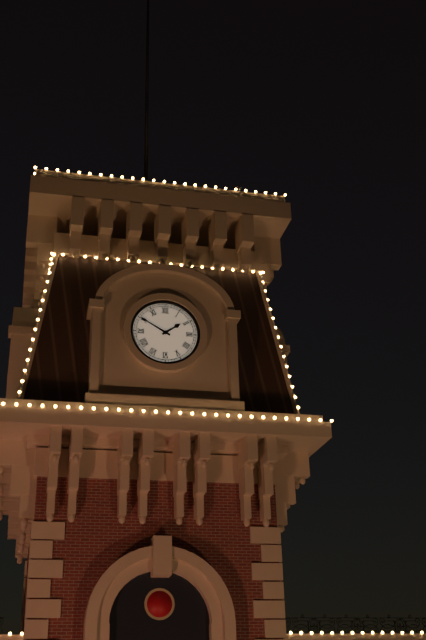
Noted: **1:50**
